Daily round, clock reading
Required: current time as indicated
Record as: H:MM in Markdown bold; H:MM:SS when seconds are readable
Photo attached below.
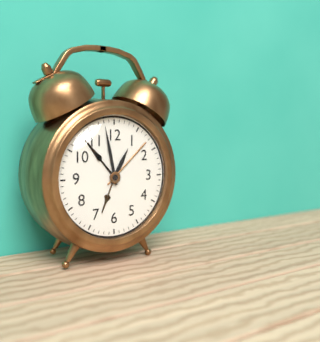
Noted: **12:58**
